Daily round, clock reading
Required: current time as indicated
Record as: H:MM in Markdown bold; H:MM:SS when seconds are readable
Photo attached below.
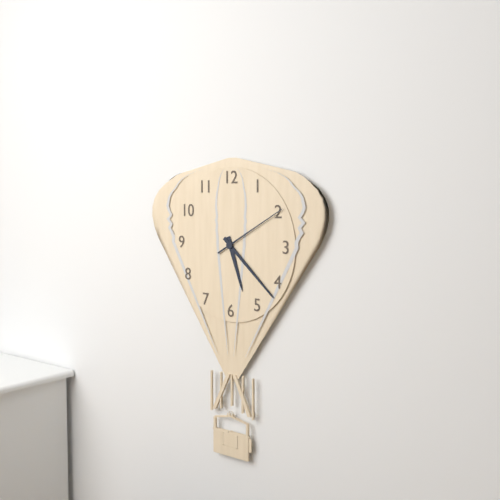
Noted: **5:22:10**
